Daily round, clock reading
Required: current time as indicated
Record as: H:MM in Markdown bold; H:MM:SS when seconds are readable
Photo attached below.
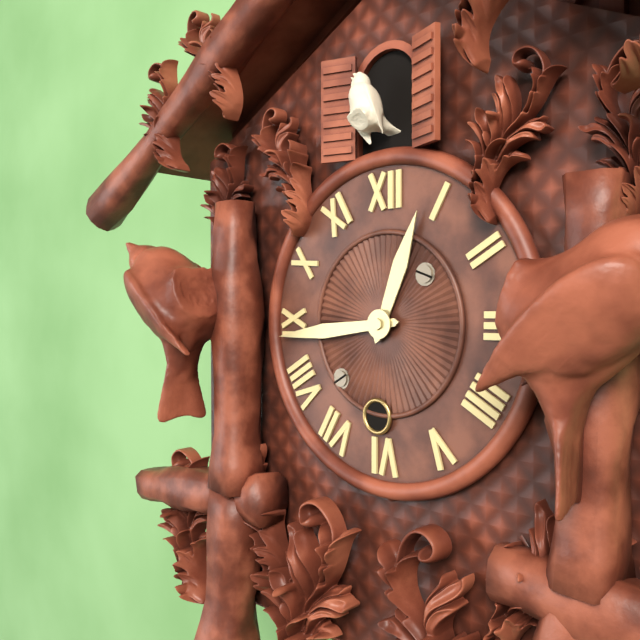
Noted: **12:44**
